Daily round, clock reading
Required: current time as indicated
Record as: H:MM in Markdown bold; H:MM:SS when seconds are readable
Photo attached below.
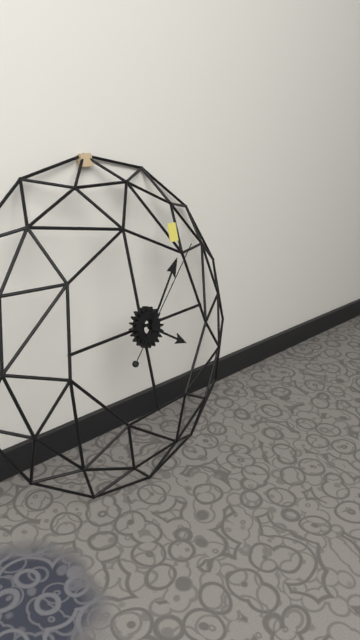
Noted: **4:07:08**
